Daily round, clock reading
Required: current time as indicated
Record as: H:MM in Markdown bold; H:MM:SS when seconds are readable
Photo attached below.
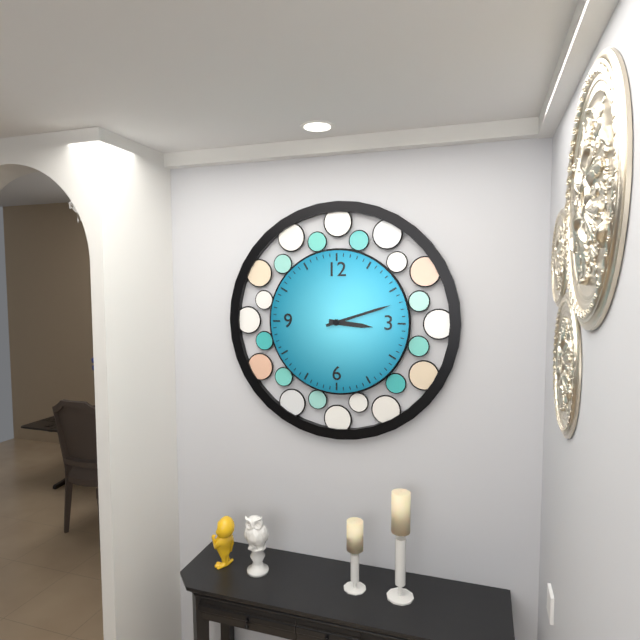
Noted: **3:12**
